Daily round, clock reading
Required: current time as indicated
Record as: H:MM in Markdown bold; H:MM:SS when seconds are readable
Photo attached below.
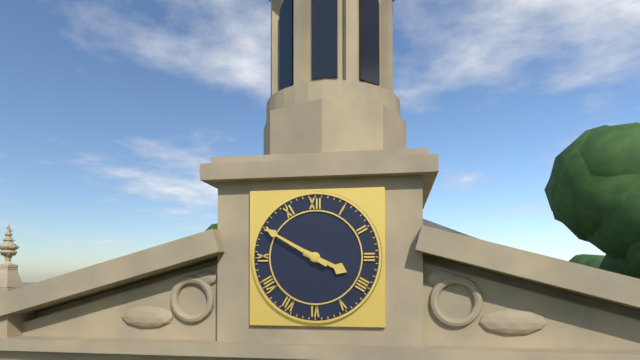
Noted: **3:50**
